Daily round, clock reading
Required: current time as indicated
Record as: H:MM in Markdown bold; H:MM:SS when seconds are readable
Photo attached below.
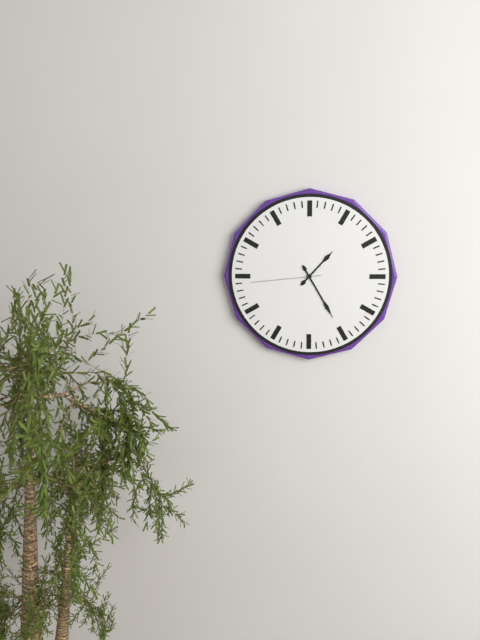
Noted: **1:25:44**
